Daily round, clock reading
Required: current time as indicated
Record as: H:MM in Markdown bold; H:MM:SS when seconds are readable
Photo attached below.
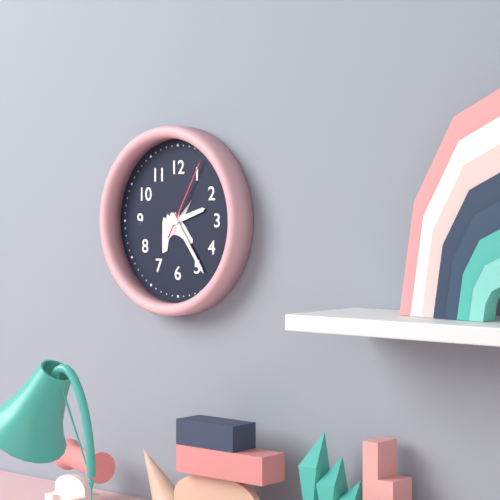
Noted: **2:24:05**
